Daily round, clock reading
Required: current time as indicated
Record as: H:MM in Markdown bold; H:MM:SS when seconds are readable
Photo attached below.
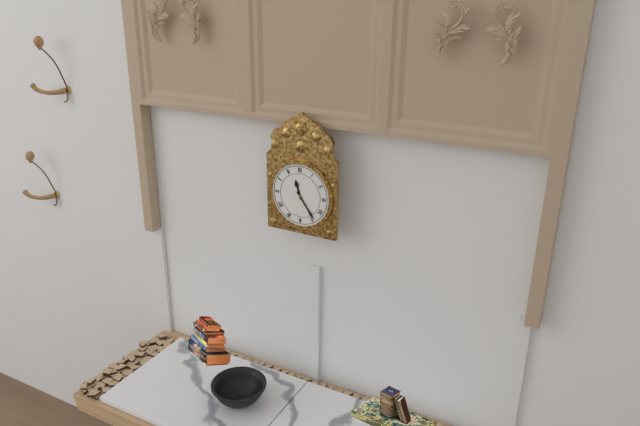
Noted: **11:24**
